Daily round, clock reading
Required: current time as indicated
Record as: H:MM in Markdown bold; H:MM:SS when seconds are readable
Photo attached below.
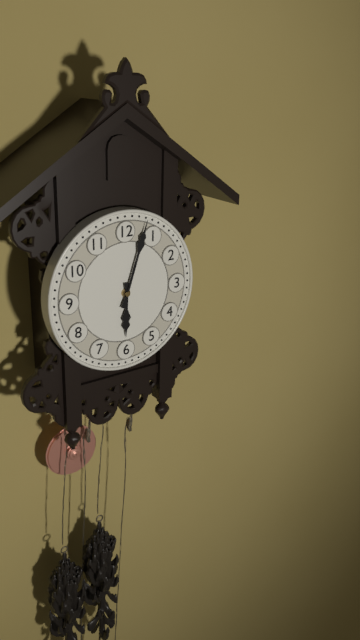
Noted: **6:03**
